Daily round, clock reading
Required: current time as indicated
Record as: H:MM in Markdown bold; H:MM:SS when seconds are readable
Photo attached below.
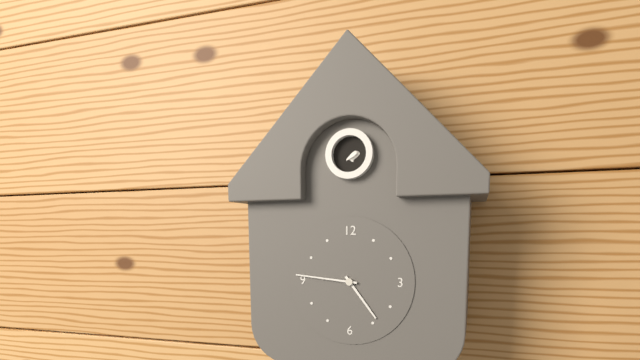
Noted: **4:46**
